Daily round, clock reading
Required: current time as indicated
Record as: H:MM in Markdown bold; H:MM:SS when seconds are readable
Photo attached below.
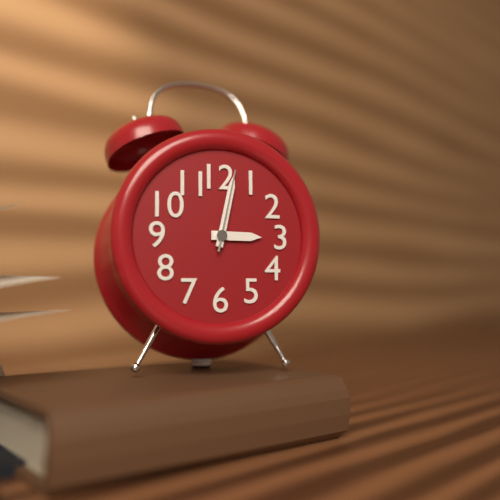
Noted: **3:02:02**
